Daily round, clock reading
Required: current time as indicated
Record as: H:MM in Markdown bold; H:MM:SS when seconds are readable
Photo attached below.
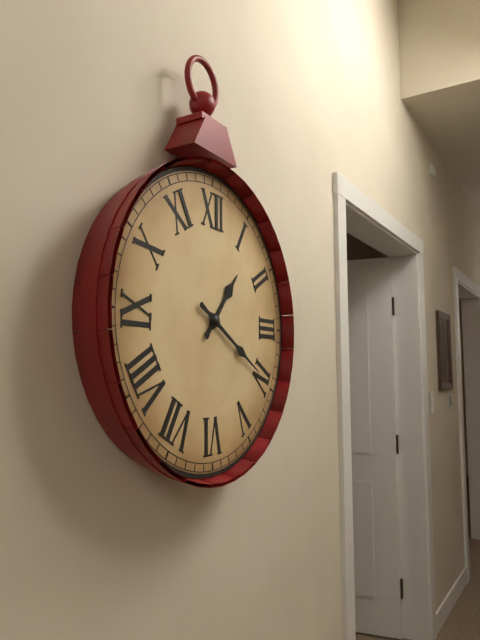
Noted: **1:20**
